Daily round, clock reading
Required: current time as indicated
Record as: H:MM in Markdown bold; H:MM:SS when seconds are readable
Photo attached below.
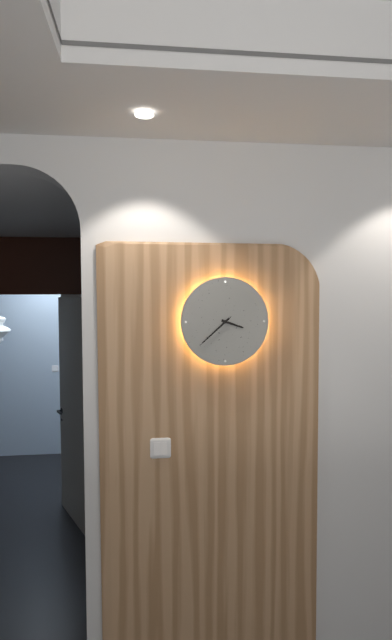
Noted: **3:38**
